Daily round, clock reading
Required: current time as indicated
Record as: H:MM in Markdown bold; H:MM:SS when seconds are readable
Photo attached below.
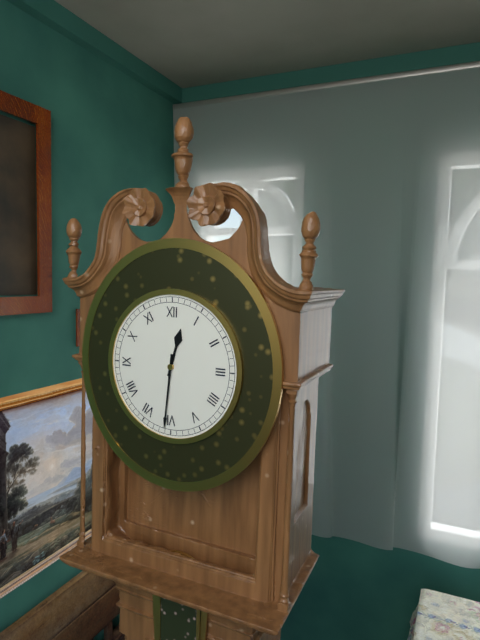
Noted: **12:31**
